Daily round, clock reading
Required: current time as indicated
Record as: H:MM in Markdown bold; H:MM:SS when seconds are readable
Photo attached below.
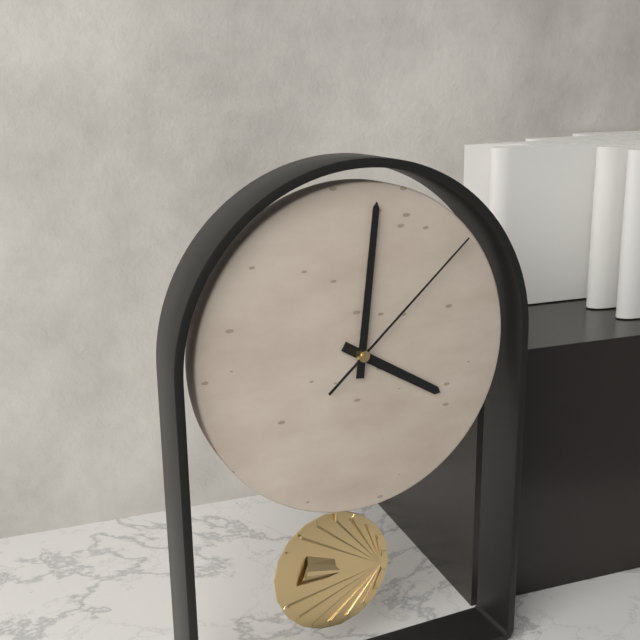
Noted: **4:01:08**
